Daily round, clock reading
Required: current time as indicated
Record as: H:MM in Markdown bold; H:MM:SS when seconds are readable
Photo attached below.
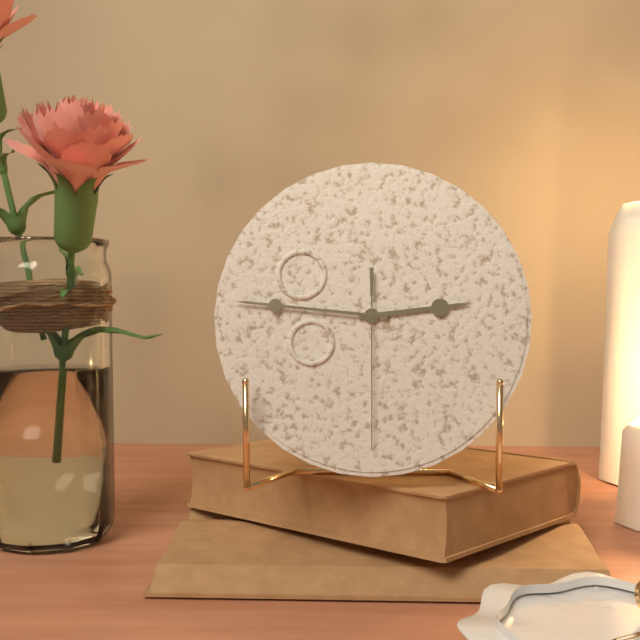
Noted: **2:46:30**
